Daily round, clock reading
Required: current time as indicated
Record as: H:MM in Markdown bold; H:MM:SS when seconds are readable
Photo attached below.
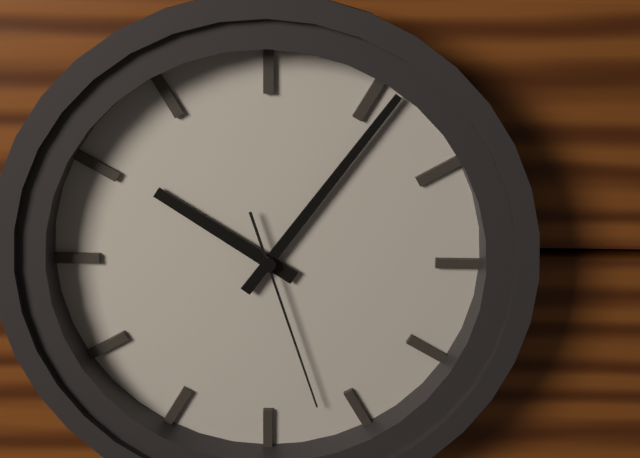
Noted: **10:06:27**
